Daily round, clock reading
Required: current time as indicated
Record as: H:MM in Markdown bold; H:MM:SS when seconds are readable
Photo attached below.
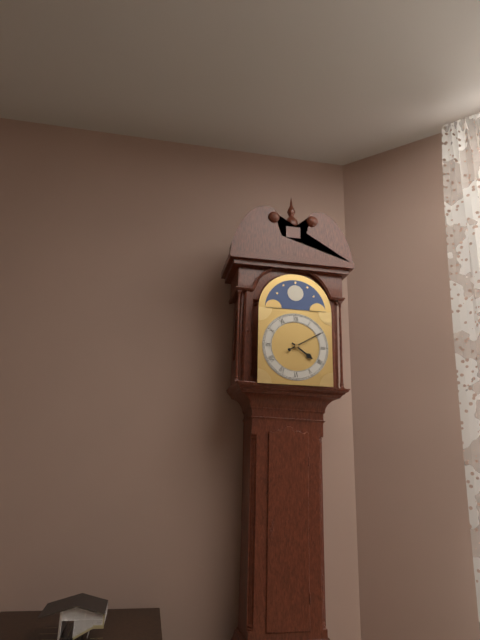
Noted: **4:10**
